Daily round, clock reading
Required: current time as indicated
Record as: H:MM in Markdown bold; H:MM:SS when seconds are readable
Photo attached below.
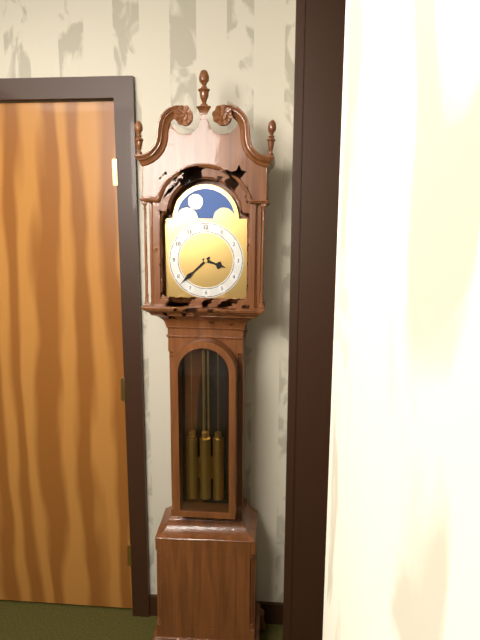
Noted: **3:38**
